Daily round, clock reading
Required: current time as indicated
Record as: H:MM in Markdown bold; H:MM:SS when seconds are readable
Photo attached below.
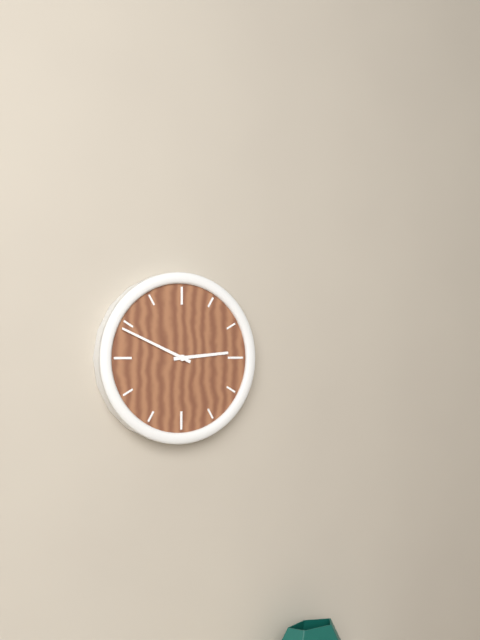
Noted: **2:49**
